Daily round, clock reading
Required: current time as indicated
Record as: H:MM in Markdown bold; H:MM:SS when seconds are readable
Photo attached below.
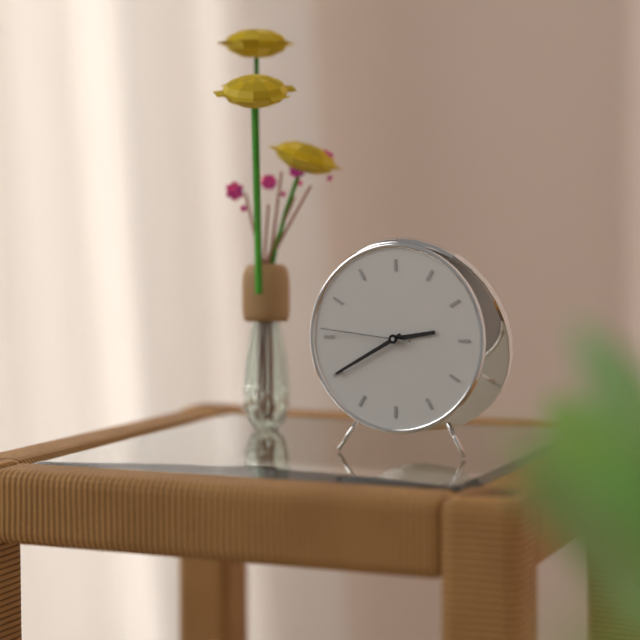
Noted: **2:40:46**
